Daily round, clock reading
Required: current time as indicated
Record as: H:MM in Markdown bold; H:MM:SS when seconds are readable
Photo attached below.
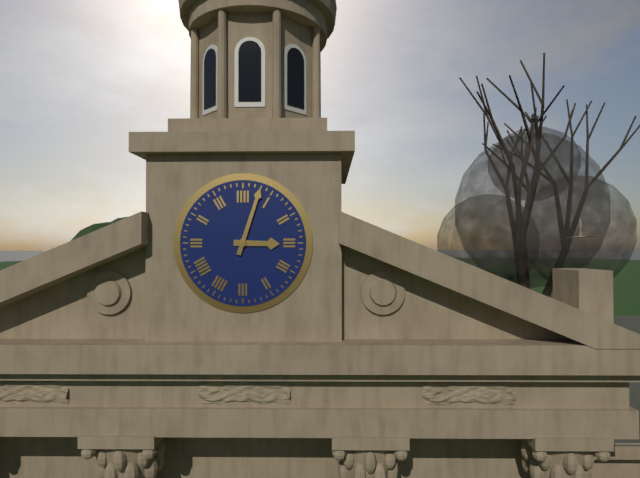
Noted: **3:03**
